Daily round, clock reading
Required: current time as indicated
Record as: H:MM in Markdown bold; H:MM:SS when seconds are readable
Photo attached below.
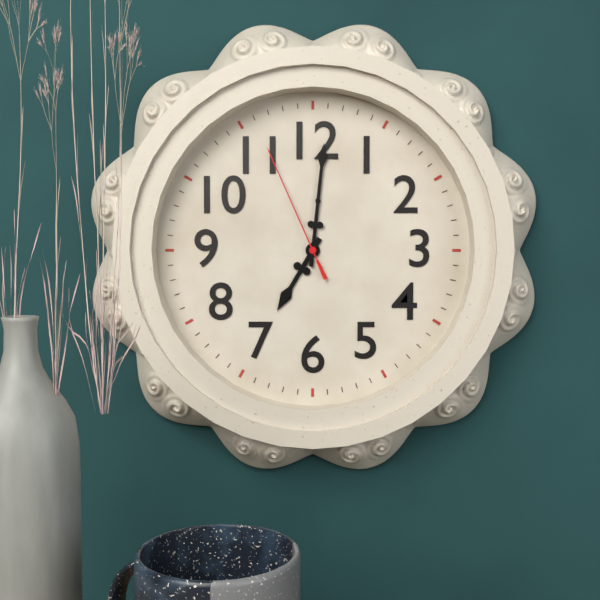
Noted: **7:01:56**
